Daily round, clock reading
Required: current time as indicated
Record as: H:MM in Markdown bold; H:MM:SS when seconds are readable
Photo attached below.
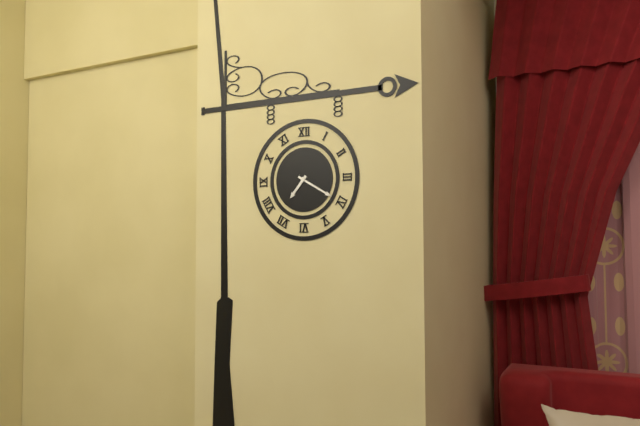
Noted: **7:20**
